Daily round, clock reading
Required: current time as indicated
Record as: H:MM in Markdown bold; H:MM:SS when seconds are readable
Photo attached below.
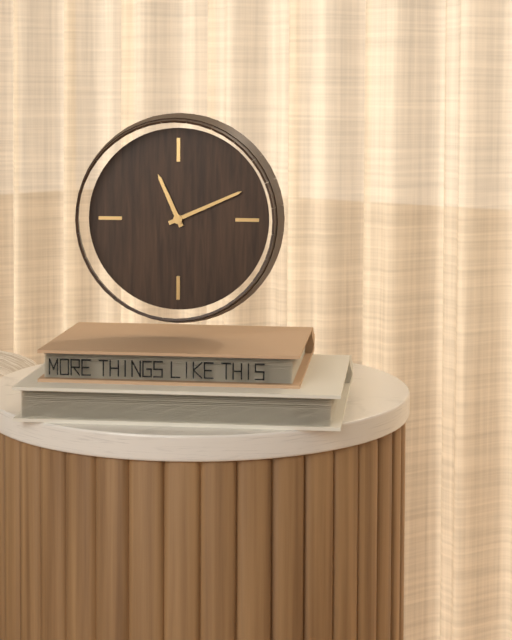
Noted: **11:11**
